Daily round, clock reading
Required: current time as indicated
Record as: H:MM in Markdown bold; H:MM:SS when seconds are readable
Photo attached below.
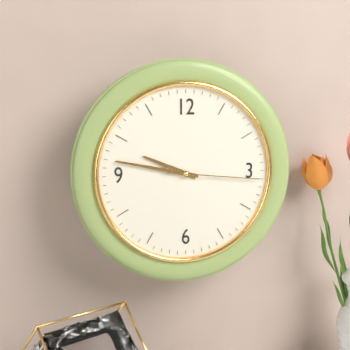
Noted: **9:47:16**
